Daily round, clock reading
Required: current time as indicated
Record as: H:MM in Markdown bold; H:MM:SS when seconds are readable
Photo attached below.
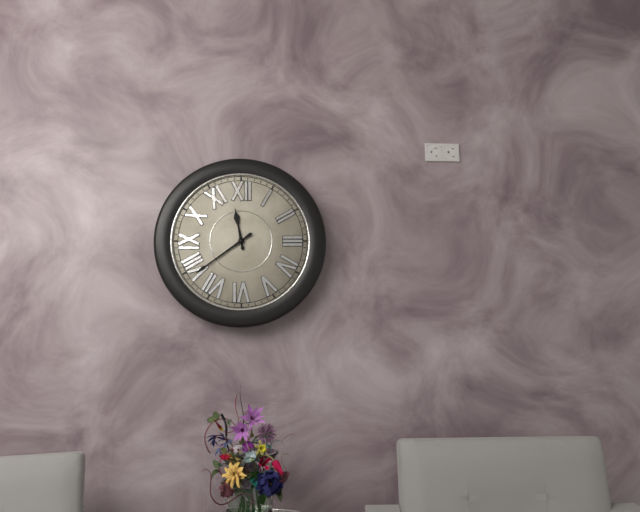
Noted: **11:39**
